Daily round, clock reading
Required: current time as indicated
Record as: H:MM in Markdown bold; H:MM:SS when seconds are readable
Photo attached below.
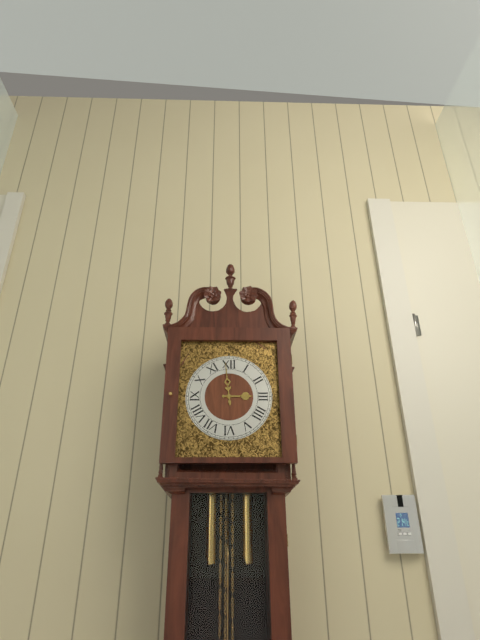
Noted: **2:59**
